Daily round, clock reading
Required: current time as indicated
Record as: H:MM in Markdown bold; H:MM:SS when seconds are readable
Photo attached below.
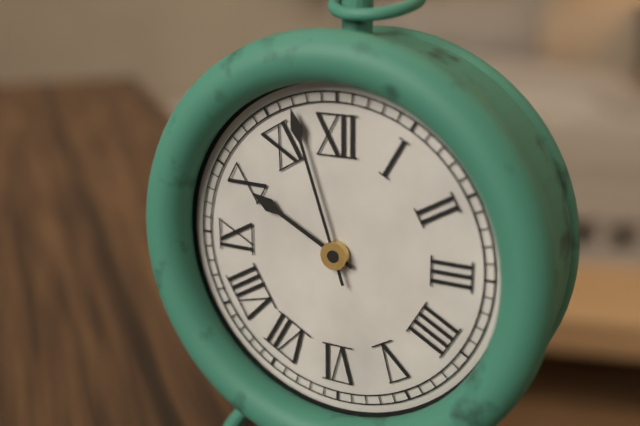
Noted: **9:57**
